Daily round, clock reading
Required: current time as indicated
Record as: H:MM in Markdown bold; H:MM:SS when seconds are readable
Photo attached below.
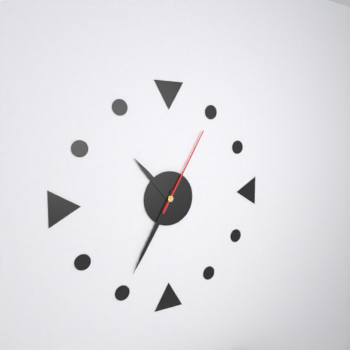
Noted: **10:35:05**
